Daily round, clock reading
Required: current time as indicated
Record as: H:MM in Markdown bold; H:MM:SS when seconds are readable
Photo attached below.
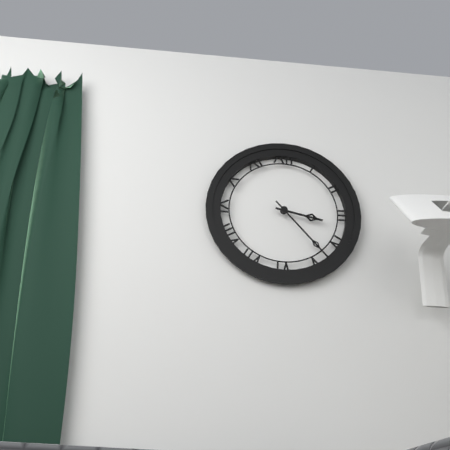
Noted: **3:23**
